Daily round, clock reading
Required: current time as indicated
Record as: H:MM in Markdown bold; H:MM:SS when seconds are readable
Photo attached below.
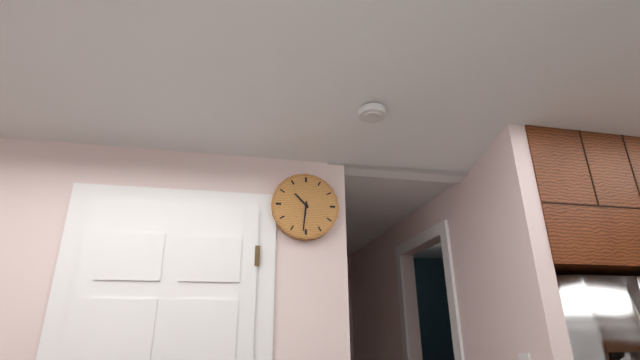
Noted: **10:31**
